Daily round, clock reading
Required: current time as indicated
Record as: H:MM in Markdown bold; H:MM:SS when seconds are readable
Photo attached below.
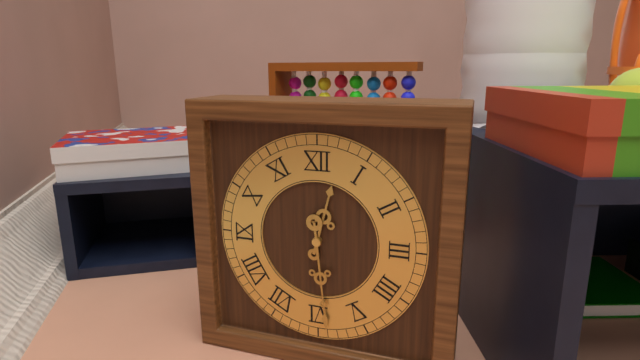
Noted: **12:29**
